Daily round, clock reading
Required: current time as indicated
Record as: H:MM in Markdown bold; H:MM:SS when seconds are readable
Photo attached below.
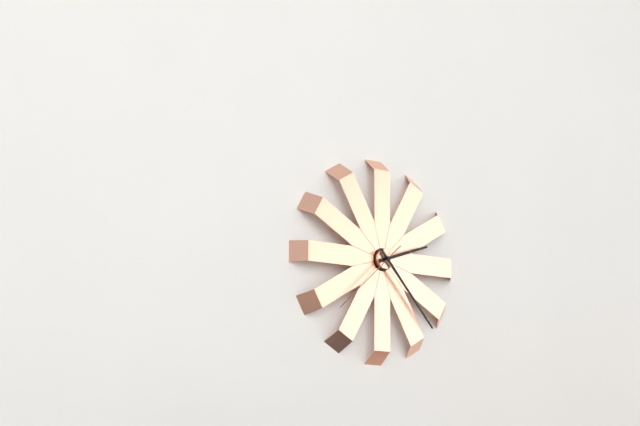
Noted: **2:23:38**
